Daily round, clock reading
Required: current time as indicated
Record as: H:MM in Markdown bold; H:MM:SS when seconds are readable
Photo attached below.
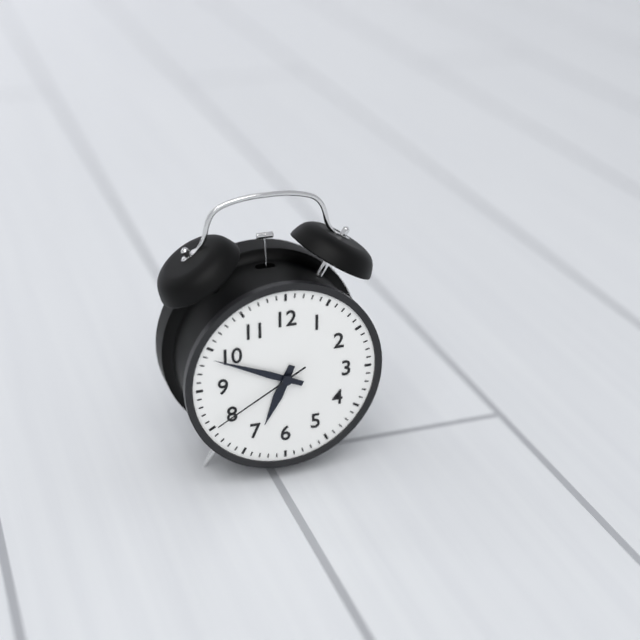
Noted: **6:49:40**
